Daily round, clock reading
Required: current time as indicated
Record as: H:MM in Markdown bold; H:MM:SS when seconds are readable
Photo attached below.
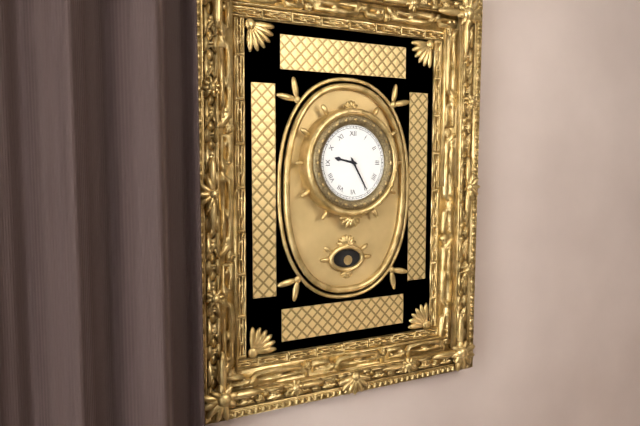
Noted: **9:25**
